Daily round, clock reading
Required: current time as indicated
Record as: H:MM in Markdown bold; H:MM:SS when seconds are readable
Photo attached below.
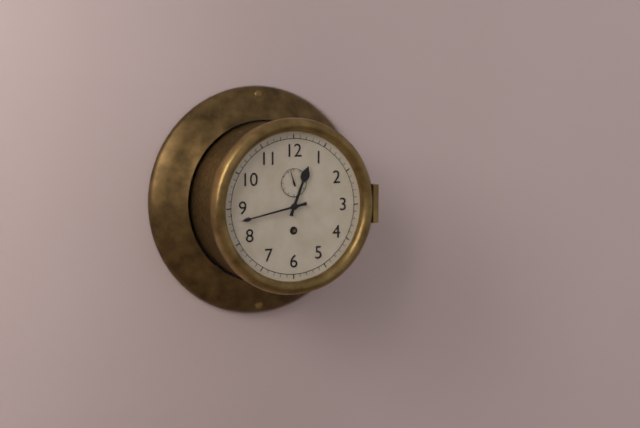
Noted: **12:43**
